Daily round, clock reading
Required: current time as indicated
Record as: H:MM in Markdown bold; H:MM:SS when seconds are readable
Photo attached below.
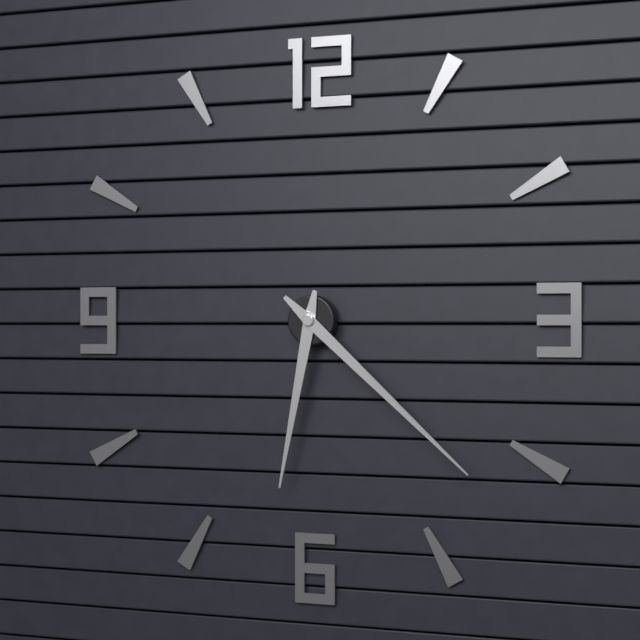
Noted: **6:22**
